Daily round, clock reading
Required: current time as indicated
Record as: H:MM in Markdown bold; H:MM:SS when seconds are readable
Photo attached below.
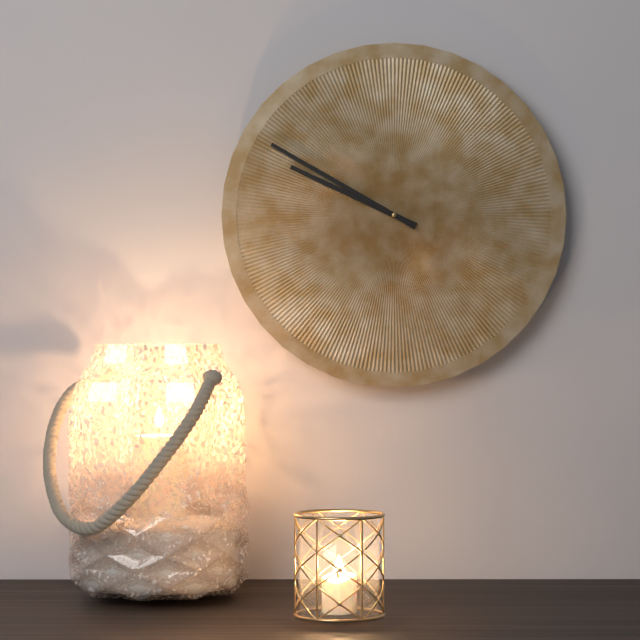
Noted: **9:50**
